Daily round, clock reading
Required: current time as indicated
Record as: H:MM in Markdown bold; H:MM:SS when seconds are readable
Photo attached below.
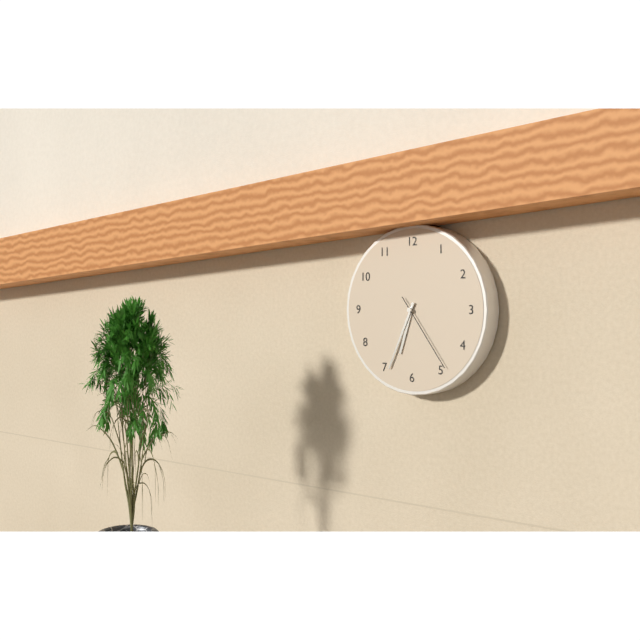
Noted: **6:34:24**
